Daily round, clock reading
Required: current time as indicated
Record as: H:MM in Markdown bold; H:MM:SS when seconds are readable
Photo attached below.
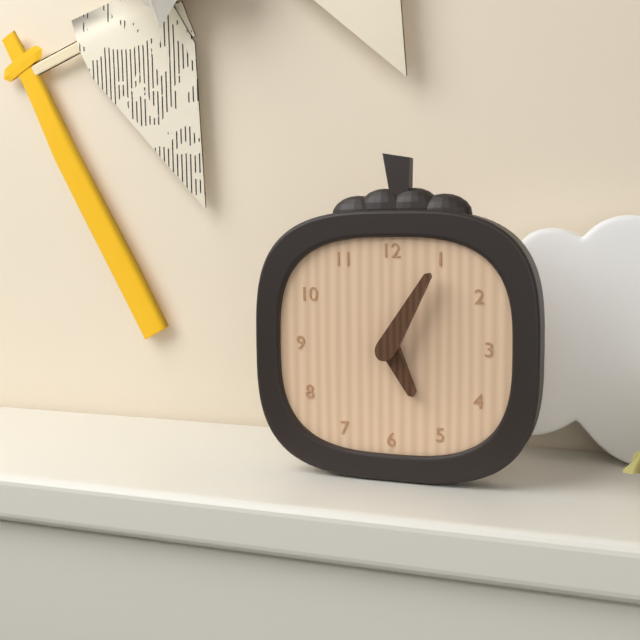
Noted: **5:05**
